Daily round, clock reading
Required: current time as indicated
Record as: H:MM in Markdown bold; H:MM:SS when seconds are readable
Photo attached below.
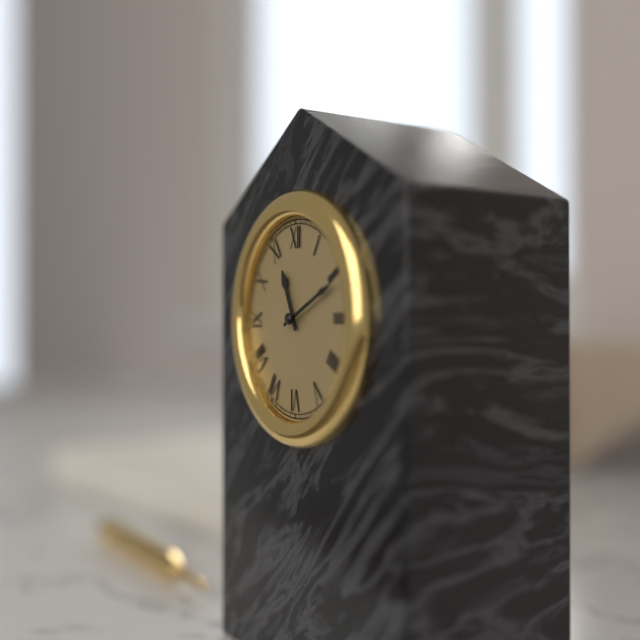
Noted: **11:11**
